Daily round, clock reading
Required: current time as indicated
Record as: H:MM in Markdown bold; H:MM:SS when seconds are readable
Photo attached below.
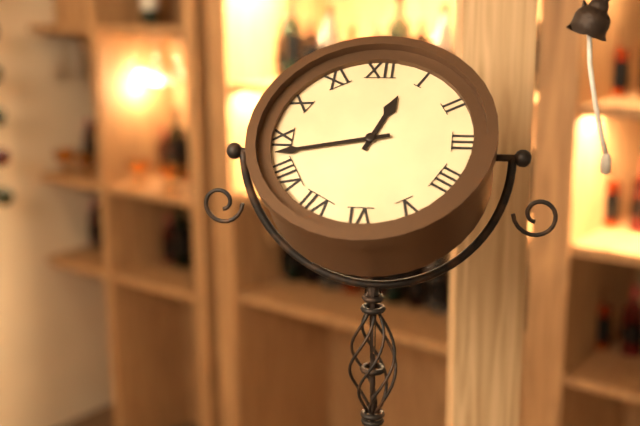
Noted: **12:43**
